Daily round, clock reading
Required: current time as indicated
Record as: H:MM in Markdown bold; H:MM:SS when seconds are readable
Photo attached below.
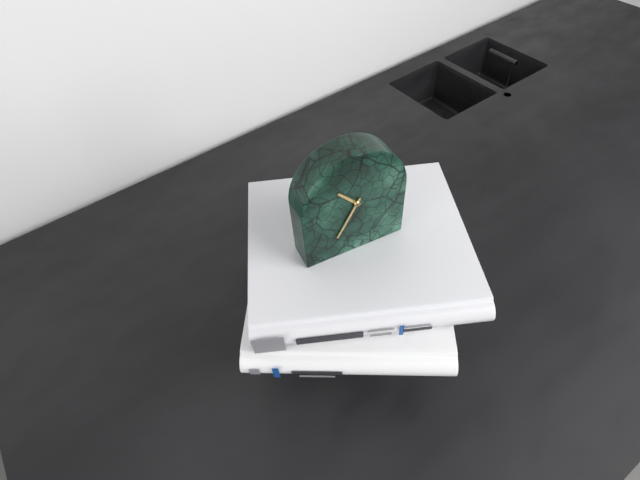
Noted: **10:35**
